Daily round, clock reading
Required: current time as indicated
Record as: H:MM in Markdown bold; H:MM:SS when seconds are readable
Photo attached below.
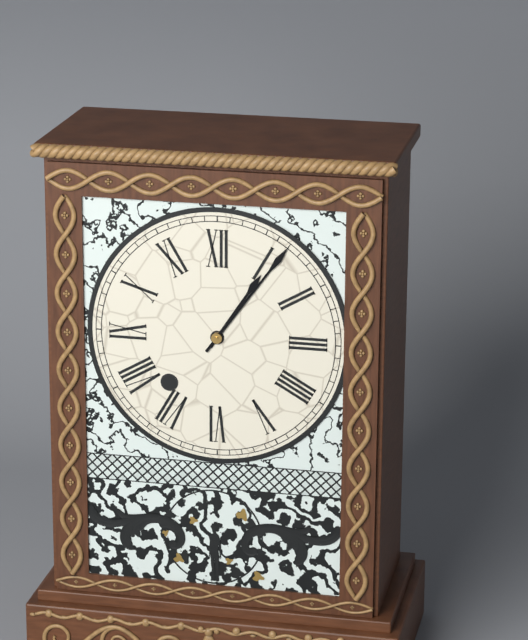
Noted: **1:06**
